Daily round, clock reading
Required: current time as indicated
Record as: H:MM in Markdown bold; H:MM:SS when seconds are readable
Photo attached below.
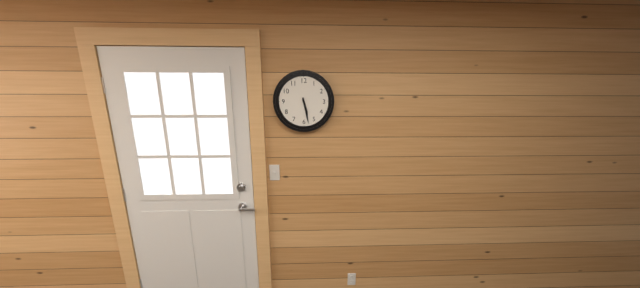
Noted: **5:28**
